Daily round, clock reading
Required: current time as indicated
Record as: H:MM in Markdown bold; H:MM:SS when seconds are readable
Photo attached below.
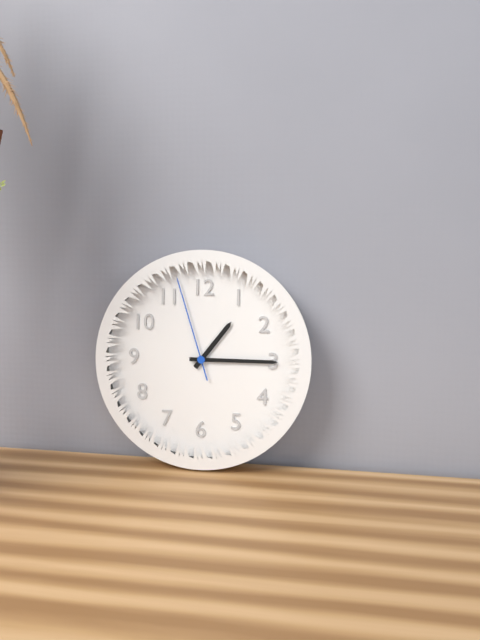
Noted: **1:15:57**
